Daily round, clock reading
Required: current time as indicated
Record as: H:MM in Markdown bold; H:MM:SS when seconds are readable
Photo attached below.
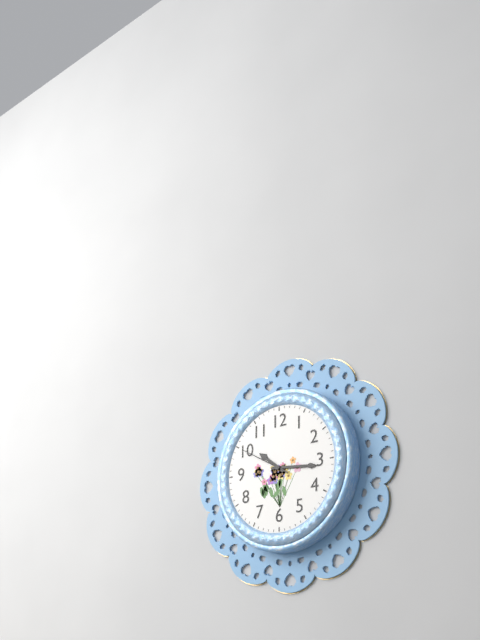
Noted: **10:16**
